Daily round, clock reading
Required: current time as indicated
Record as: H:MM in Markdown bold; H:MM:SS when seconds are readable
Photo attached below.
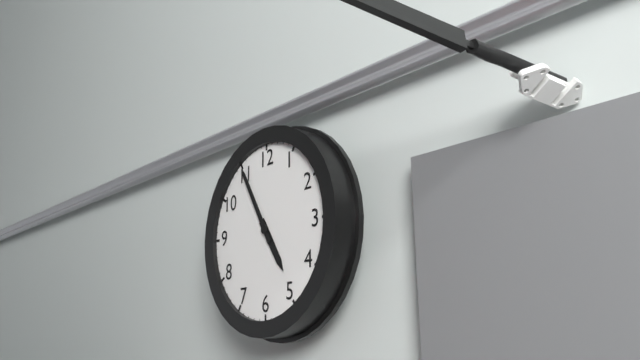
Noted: **4:55**
